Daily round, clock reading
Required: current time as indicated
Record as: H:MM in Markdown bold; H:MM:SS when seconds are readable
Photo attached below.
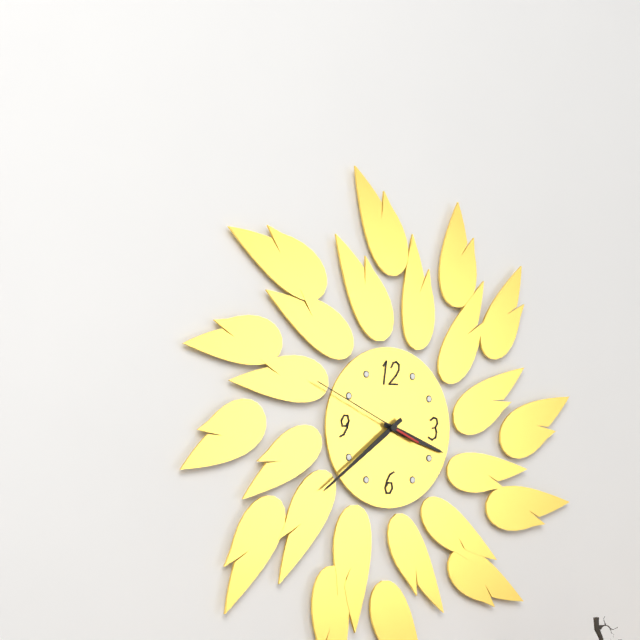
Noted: **3:39:49**
